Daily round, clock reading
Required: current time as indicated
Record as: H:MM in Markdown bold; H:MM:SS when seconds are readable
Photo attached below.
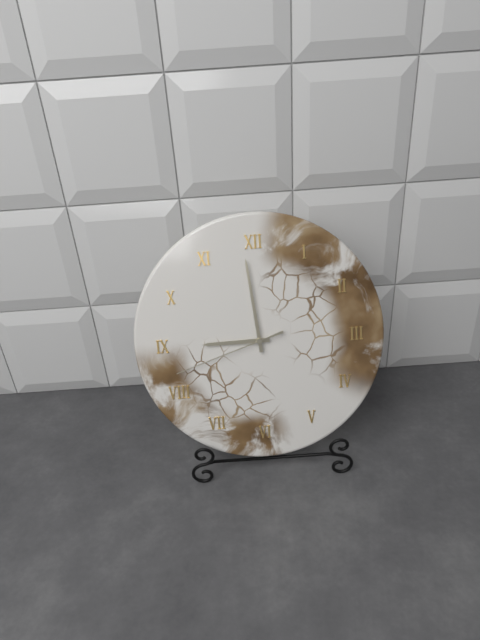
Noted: **8:59:42**
